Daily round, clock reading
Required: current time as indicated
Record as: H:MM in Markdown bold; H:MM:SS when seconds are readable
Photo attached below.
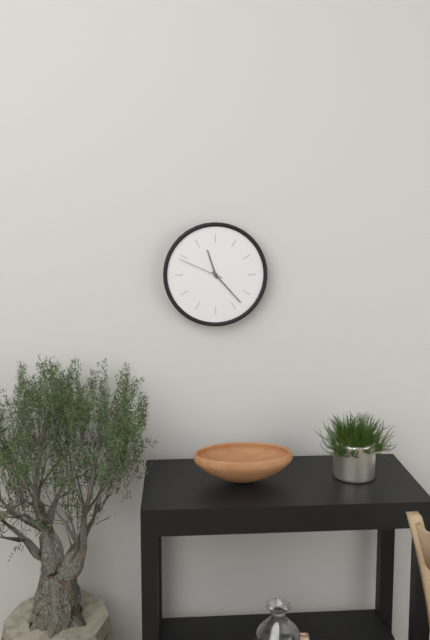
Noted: **11:23**
